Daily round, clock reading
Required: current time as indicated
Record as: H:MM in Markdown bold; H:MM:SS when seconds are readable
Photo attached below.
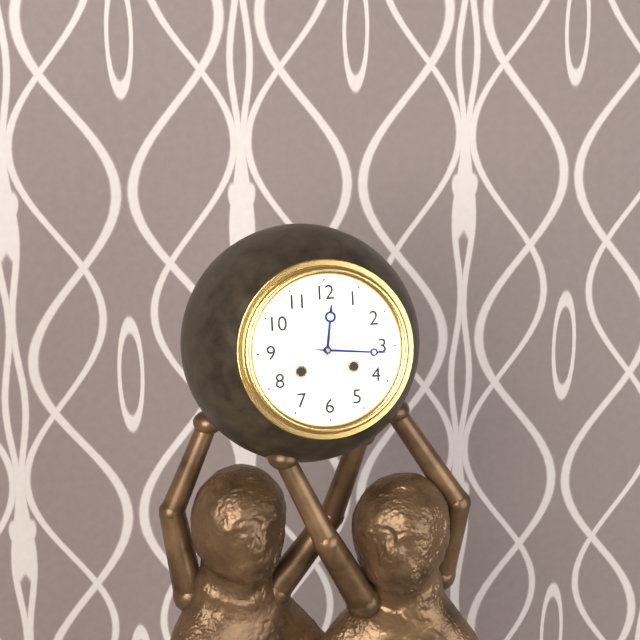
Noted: **12:16**
